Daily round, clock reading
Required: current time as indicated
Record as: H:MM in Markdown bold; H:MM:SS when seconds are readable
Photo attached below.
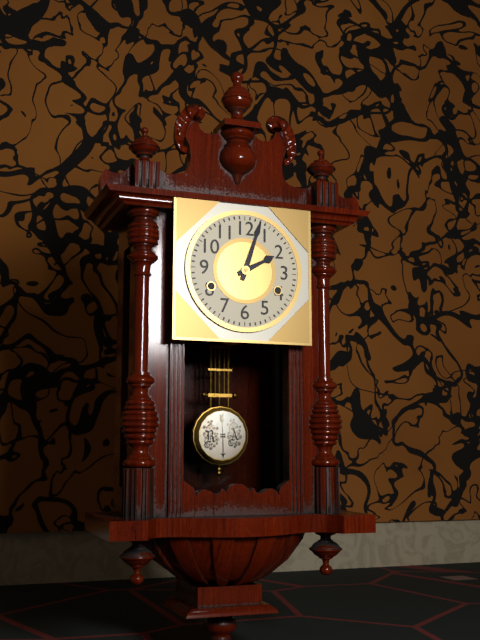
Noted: **2:03**
